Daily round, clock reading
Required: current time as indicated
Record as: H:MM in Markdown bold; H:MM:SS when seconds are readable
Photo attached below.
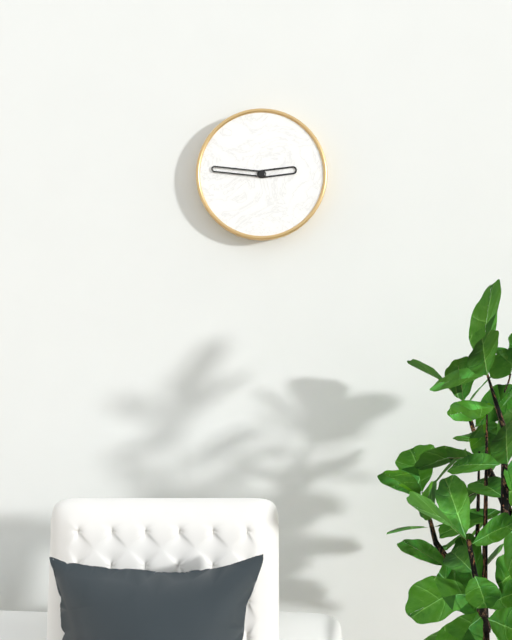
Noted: **2:46**
